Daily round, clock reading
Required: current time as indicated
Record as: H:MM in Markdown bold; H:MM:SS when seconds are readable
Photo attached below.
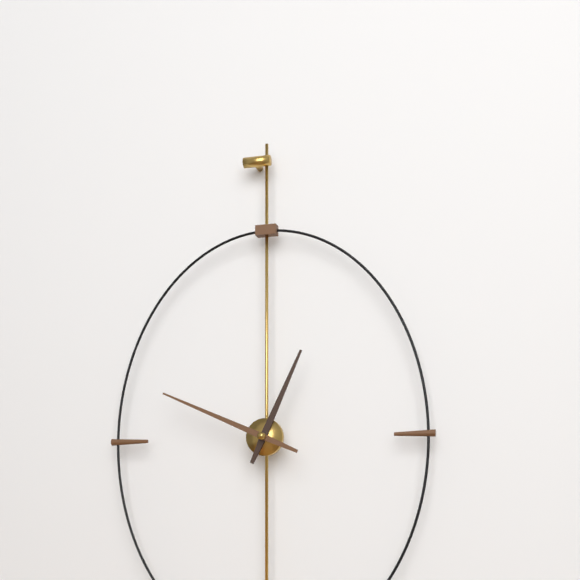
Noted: **12:49**
